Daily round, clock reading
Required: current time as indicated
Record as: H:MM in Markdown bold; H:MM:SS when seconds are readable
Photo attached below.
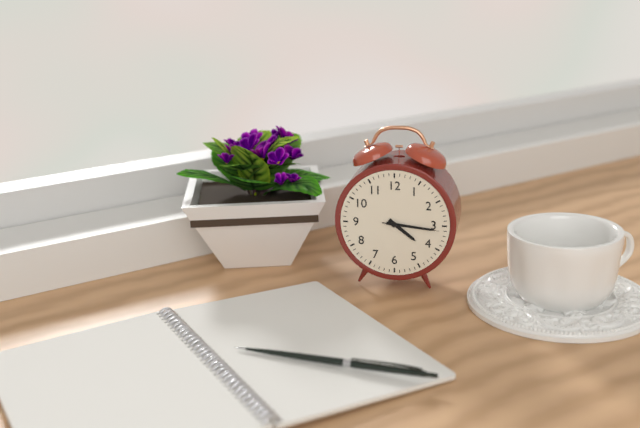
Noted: **4:16:16**
